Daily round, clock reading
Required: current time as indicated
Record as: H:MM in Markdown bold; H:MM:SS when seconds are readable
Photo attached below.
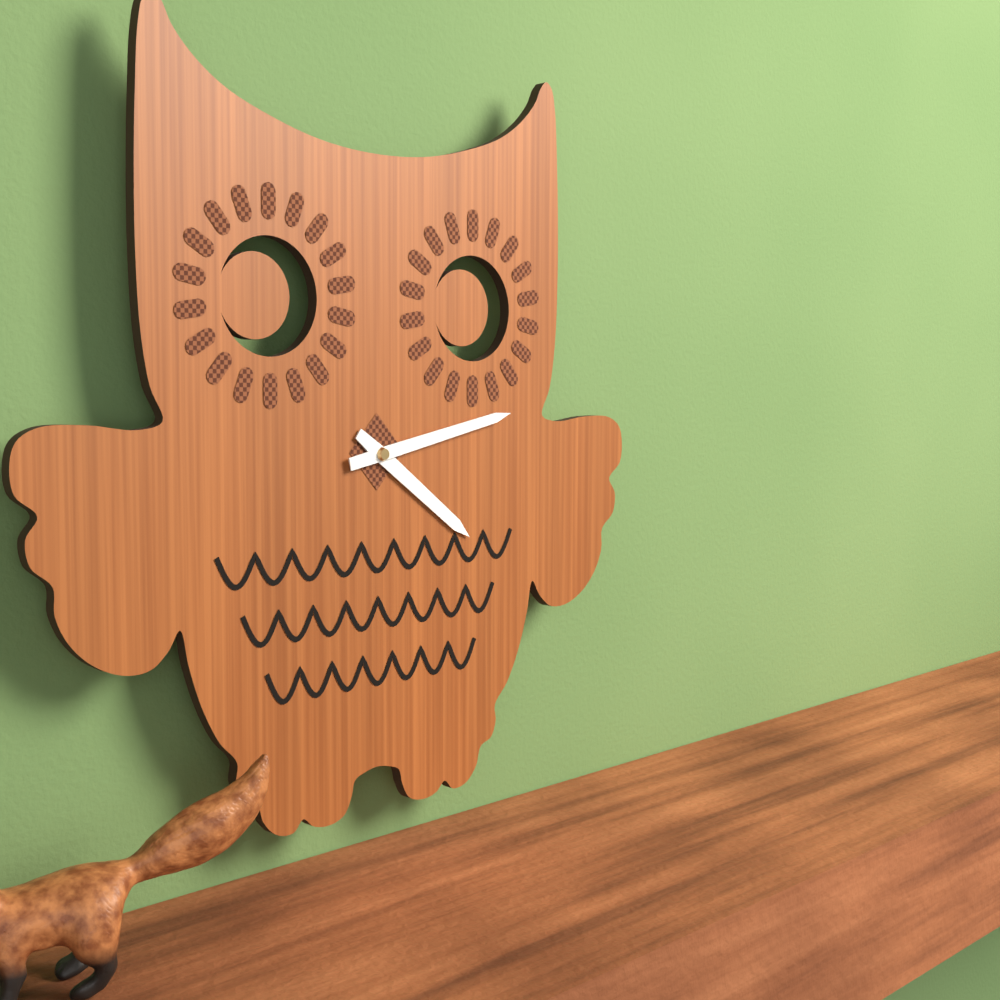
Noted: **4:13**
